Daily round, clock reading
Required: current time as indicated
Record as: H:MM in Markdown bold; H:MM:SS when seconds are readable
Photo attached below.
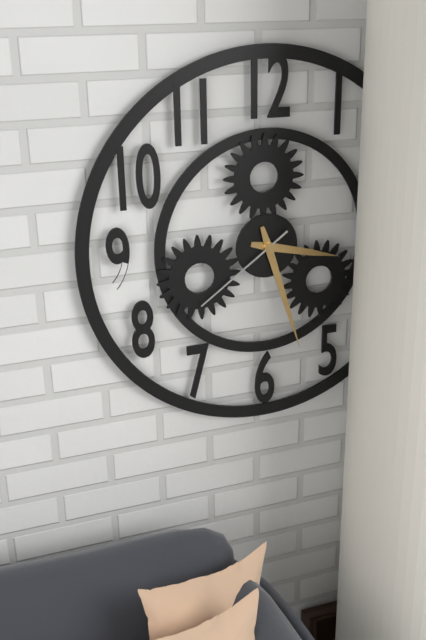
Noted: **3:27:39**
